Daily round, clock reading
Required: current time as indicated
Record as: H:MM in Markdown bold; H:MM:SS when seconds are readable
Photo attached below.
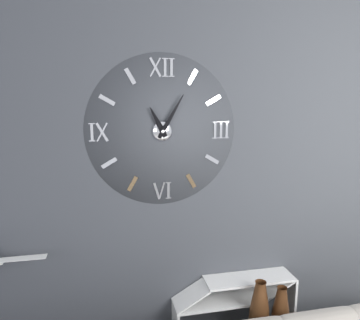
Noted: **11:05**
